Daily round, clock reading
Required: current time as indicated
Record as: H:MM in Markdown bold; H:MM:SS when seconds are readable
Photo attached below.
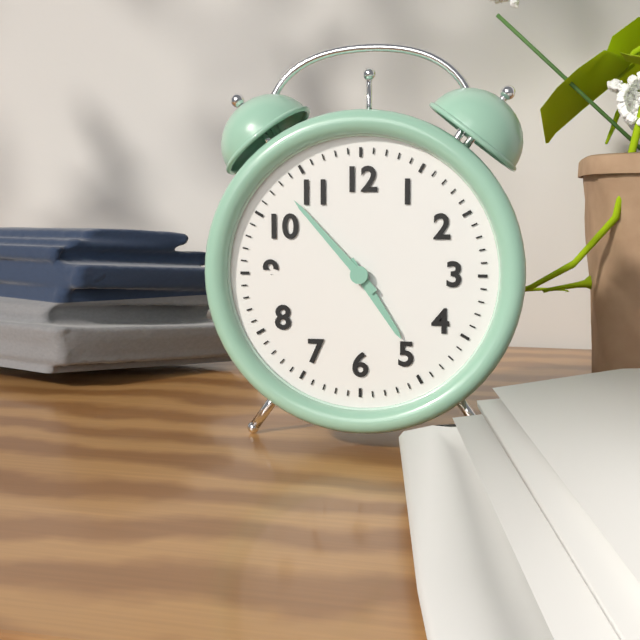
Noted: **4:53**
